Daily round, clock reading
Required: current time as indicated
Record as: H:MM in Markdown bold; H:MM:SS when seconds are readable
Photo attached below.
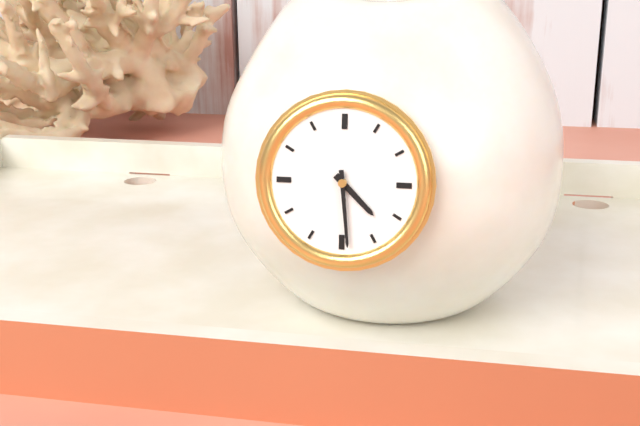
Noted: **4:29**
